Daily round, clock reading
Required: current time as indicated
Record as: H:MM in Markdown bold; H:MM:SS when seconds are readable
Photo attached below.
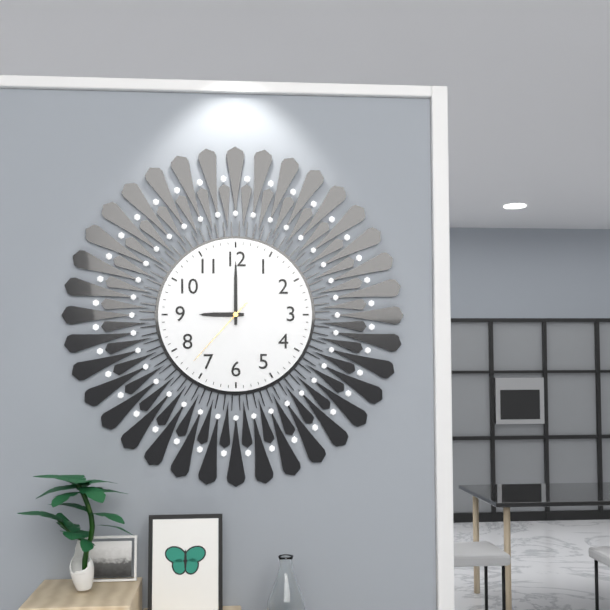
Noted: **9:00:37**
